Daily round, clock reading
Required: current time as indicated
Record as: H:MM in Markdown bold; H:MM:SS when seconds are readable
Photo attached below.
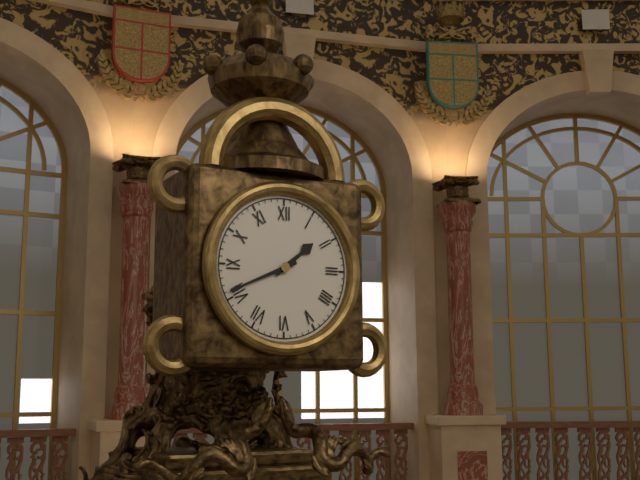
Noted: **1:41**
